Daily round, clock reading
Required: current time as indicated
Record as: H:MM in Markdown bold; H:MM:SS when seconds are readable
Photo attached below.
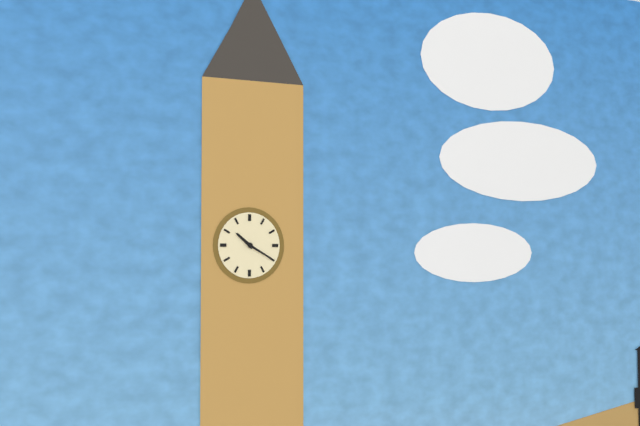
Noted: **10:20**
